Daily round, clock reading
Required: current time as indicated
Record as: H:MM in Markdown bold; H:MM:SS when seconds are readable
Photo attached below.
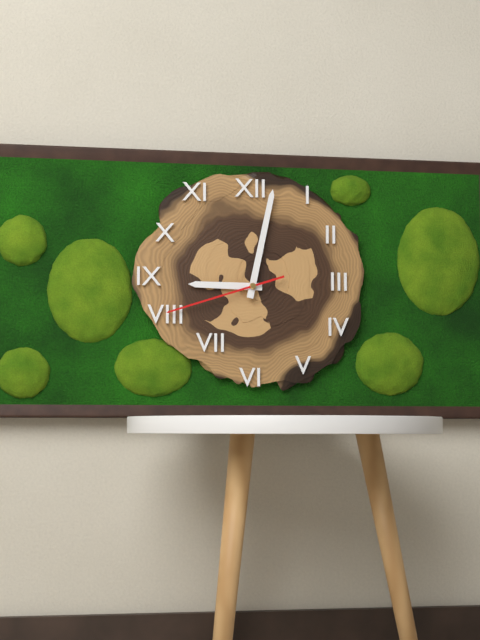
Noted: **9:02:42**
